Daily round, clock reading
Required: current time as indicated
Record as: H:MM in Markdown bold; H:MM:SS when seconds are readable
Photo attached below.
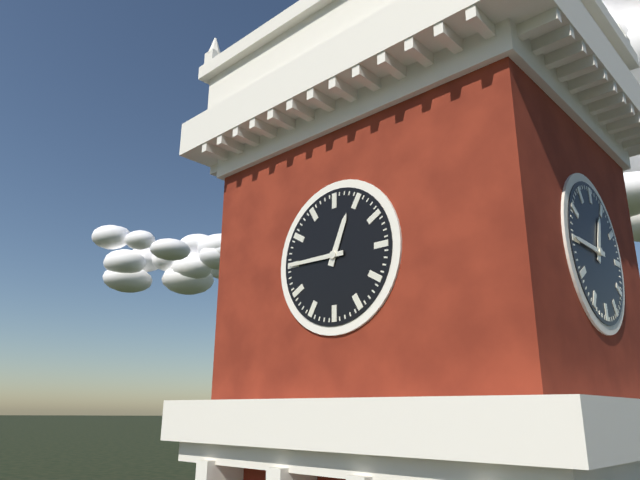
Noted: **12:45**
